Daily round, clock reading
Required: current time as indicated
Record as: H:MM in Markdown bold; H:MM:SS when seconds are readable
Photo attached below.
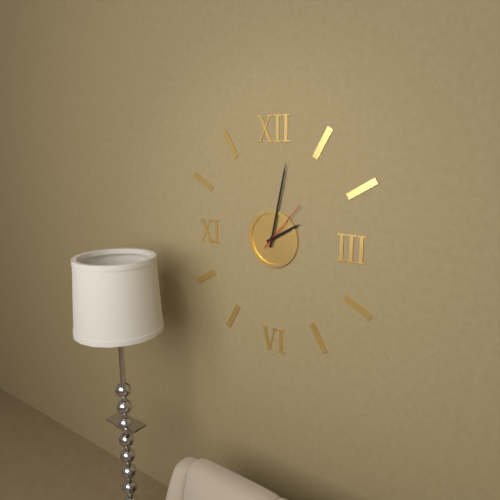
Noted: **2:02:07**
